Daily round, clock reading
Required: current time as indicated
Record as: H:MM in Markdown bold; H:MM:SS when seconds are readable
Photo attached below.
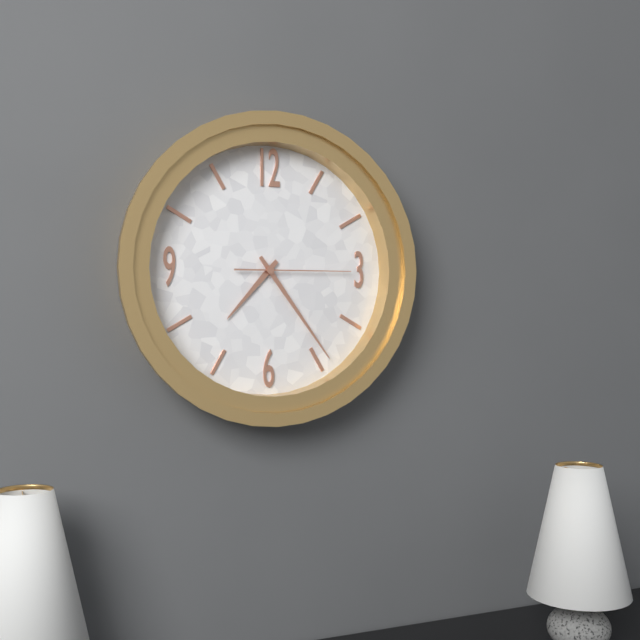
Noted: **7:24:15**
